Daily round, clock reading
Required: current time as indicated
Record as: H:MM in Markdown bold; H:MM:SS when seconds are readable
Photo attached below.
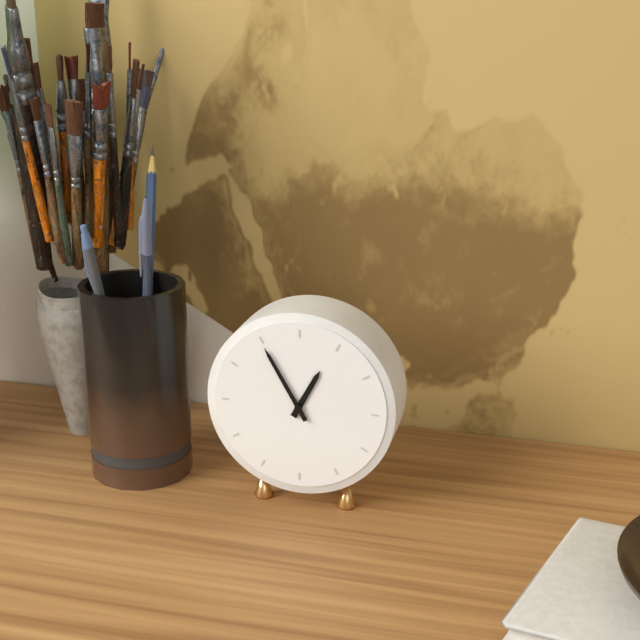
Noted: **12:55**
